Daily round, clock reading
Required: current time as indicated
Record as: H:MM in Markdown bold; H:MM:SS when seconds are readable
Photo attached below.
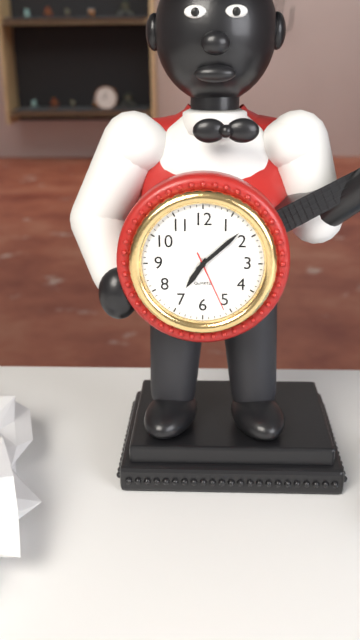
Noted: **7:08:26**
